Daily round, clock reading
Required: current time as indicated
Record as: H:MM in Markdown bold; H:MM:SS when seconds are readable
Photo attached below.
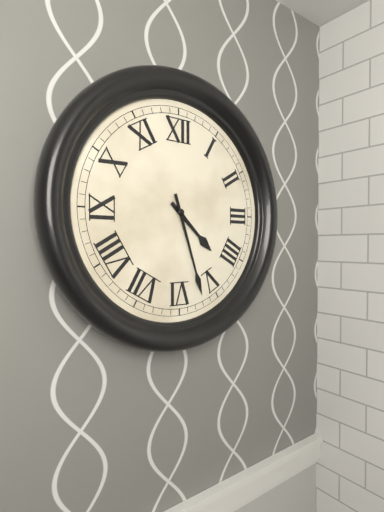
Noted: **4:27**
